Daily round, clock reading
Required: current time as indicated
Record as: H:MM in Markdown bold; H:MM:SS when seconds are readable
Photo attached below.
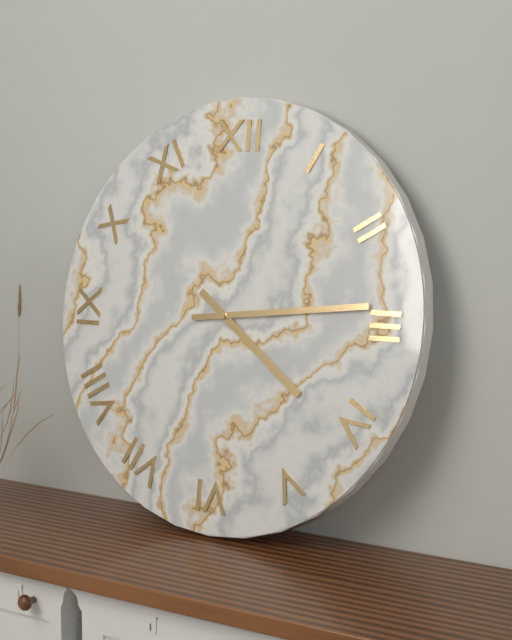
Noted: **4:14**
